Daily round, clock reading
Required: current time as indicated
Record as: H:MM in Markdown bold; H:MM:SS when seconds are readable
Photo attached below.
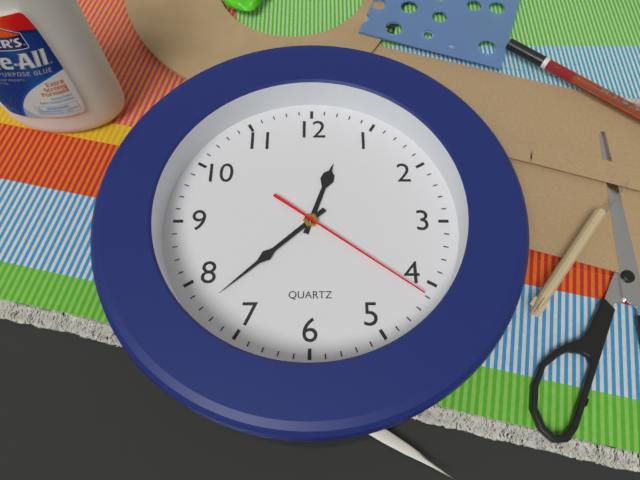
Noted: **12:38:21**
